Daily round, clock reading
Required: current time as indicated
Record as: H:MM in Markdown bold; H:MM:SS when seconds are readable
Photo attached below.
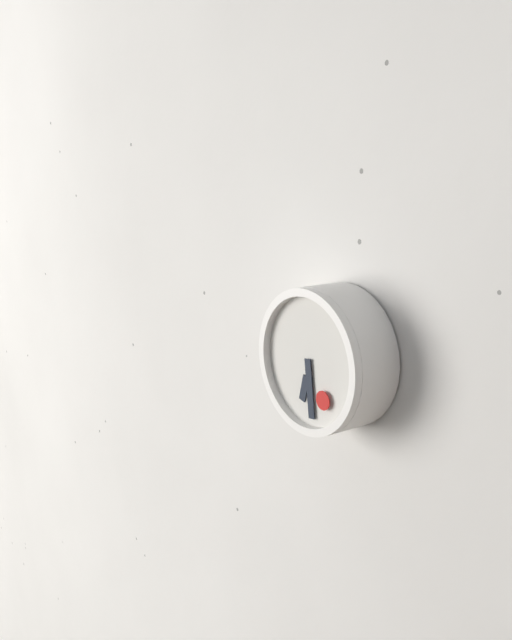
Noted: **6:29:24**
